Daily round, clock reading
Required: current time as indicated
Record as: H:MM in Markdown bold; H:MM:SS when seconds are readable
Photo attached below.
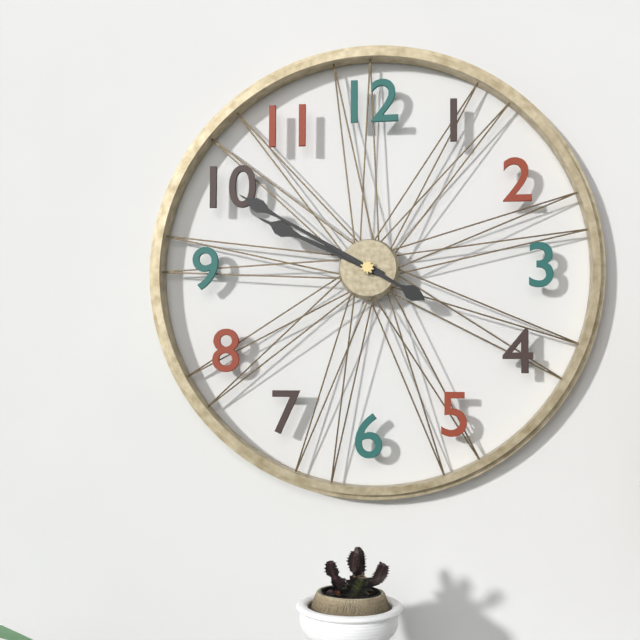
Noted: **9:50**
